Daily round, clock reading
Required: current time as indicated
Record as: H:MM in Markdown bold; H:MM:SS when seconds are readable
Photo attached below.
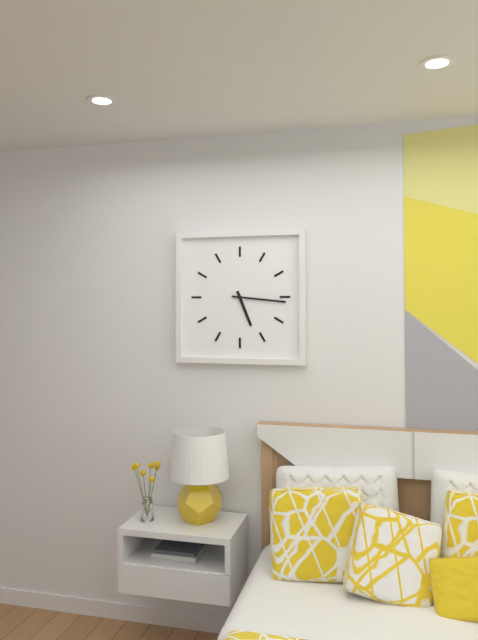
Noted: **5:16**
